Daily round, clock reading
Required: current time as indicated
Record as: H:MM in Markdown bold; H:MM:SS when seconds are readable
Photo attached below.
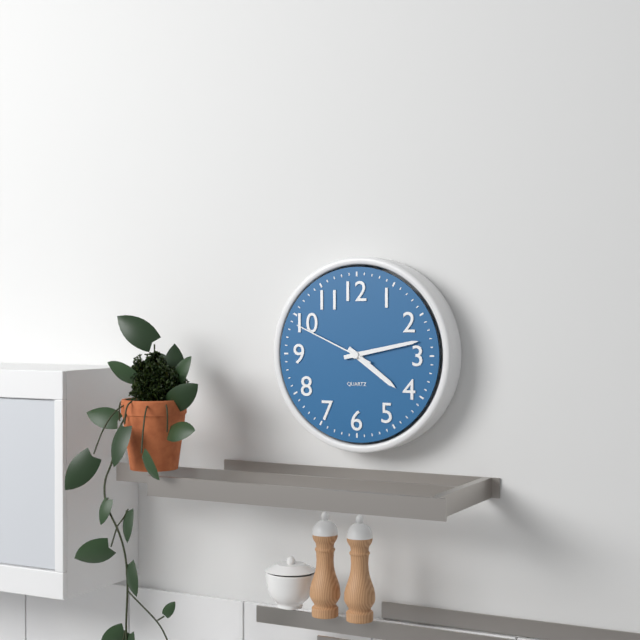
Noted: **4:13:49**
